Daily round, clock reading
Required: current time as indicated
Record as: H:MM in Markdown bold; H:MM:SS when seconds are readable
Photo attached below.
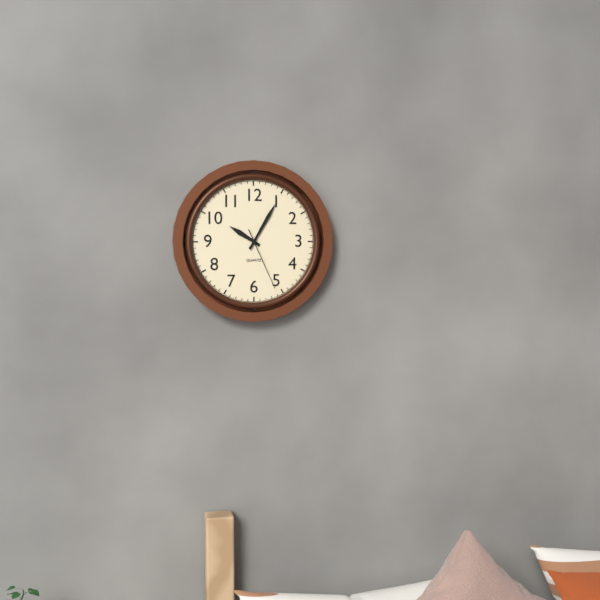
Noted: **10:05:26**
